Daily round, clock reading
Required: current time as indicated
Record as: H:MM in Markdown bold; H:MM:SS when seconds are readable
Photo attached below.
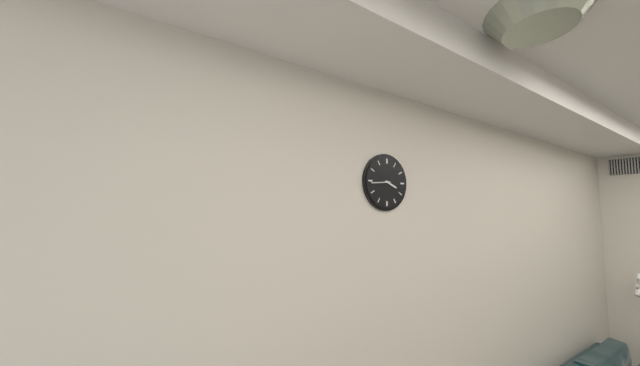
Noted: **3:44**
